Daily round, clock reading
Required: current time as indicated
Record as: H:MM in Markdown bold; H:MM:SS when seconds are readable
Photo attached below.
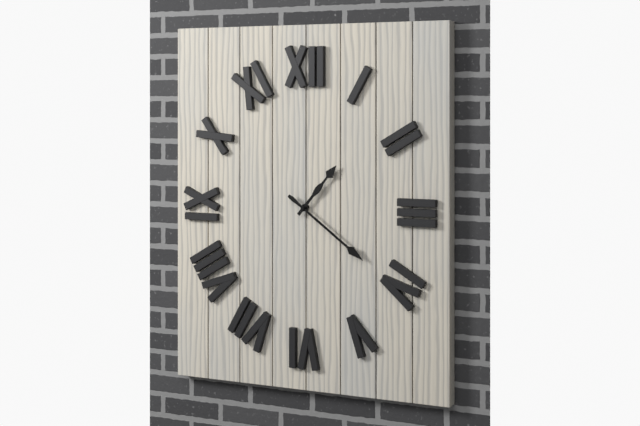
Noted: **1:21**
